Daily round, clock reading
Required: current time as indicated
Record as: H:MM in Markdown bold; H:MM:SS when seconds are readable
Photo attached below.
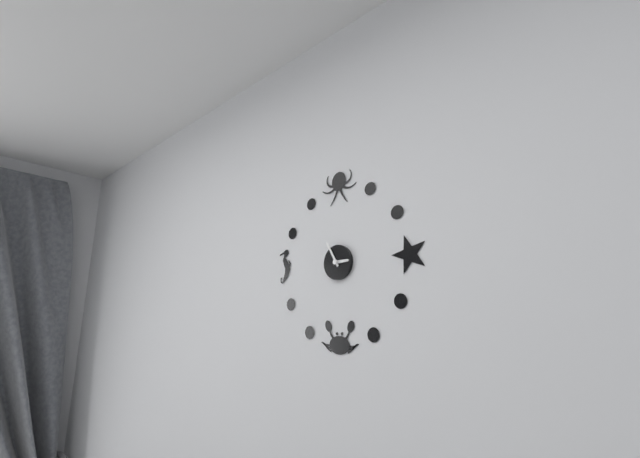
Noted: **2:55**
